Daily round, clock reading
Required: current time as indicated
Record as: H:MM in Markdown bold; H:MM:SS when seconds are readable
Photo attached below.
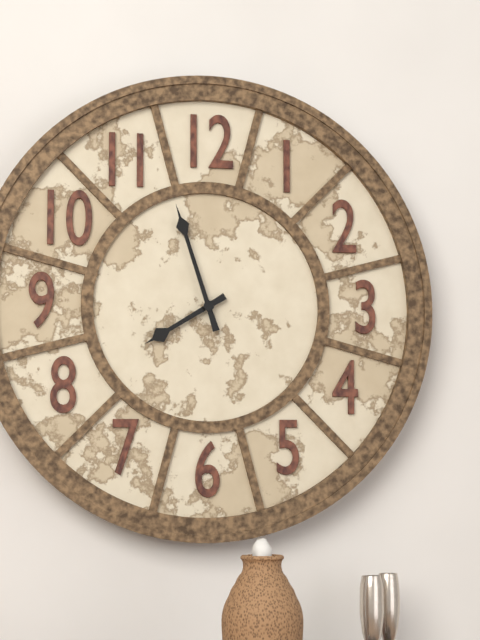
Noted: **7:57**
